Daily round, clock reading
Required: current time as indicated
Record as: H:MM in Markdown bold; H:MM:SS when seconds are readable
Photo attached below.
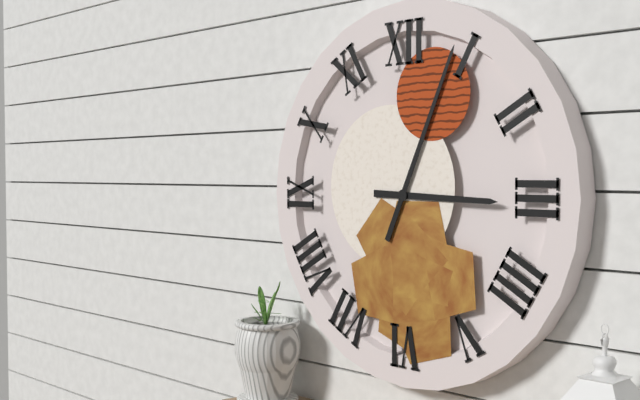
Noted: **3:04**
